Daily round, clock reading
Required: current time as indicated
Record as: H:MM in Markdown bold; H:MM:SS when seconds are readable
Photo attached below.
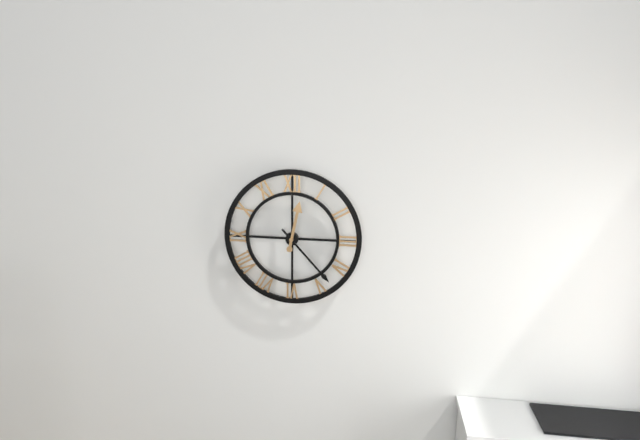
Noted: **12:23**
